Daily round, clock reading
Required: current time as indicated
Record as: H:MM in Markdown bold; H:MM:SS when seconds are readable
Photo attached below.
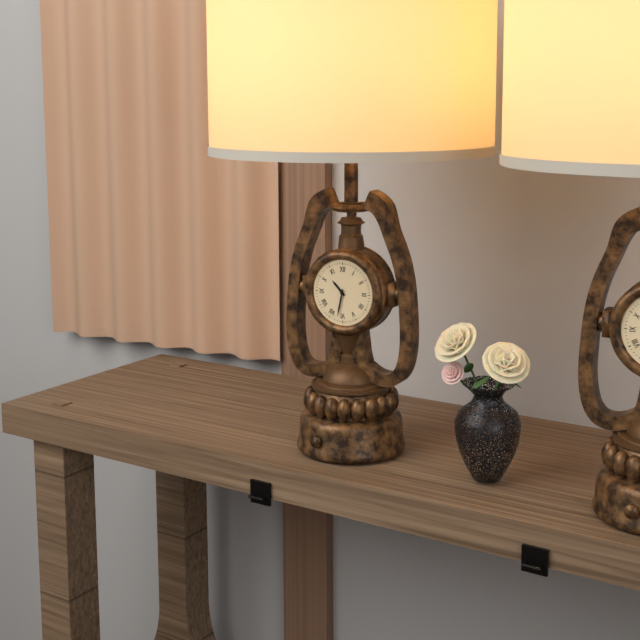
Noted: **10:32**
